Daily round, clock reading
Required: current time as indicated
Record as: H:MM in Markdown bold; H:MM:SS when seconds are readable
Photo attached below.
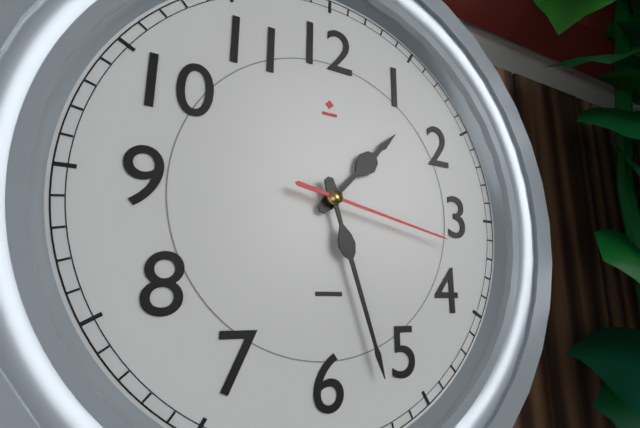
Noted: **1:27:17**
